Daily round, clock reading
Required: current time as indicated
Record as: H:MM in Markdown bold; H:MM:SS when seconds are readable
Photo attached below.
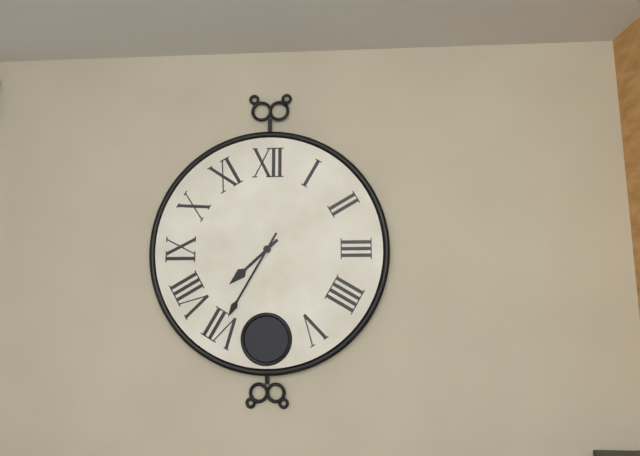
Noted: **7:35**
